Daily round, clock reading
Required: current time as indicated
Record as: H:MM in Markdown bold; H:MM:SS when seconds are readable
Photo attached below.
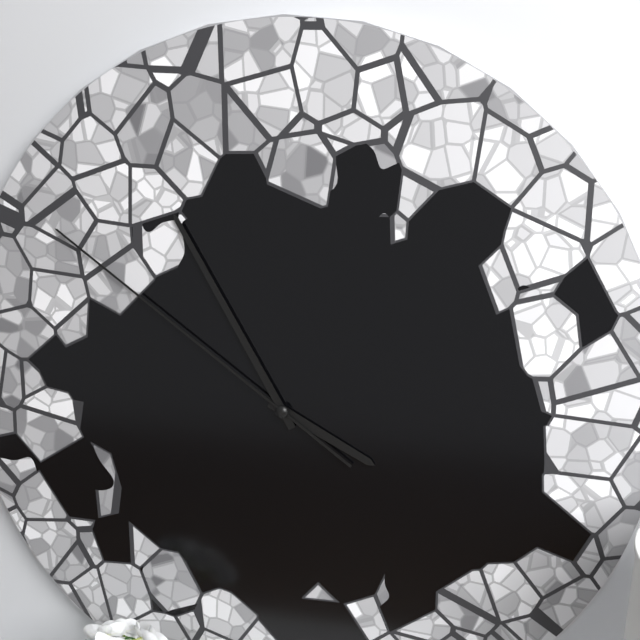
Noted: **3:55:51**
